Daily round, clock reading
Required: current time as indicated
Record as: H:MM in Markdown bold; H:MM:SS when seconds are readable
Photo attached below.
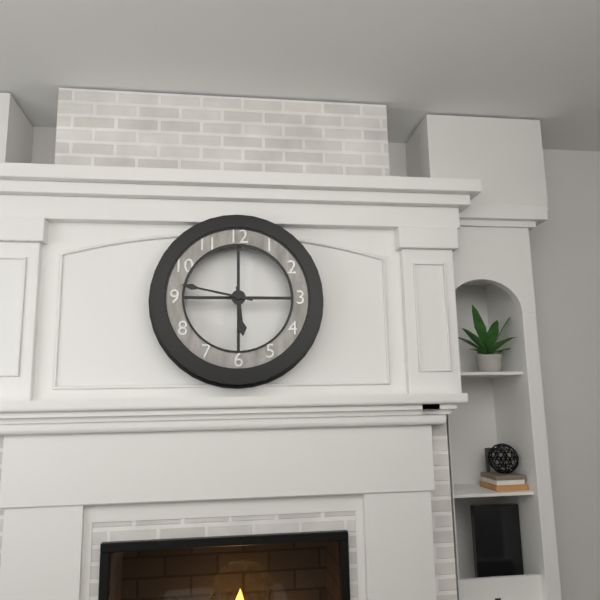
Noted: **5:47**
